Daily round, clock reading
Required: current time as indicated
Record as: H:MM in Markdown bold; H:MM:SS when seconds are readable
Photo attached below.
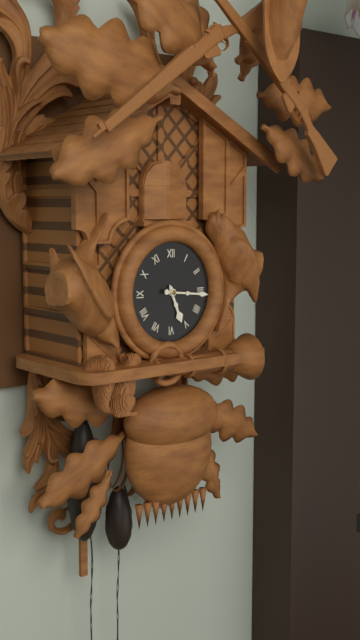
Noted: **5:16**
